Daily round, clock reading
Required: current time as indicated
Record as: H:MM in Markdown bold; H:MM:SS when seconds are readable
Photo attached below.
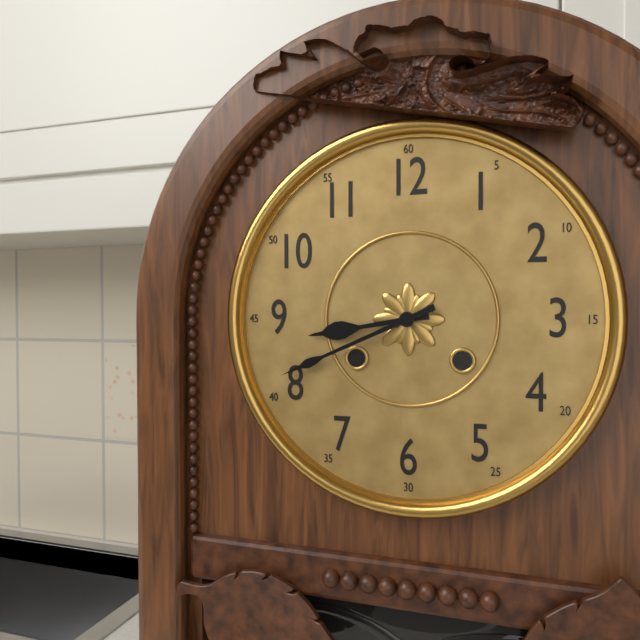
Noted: **8:41**
